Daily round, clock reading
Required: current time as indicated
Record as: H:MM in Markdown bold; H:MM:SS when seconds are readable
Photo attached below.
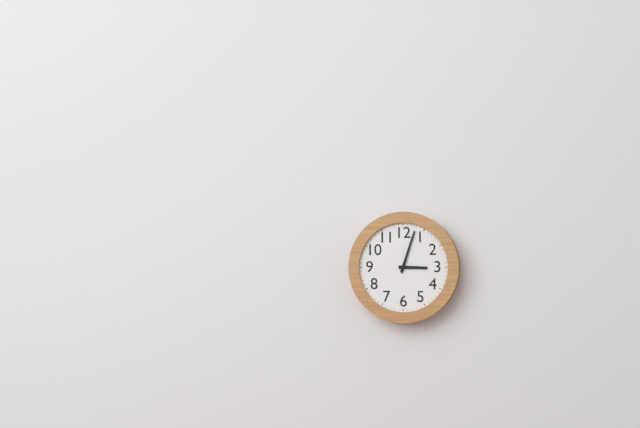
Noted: **3:03**
